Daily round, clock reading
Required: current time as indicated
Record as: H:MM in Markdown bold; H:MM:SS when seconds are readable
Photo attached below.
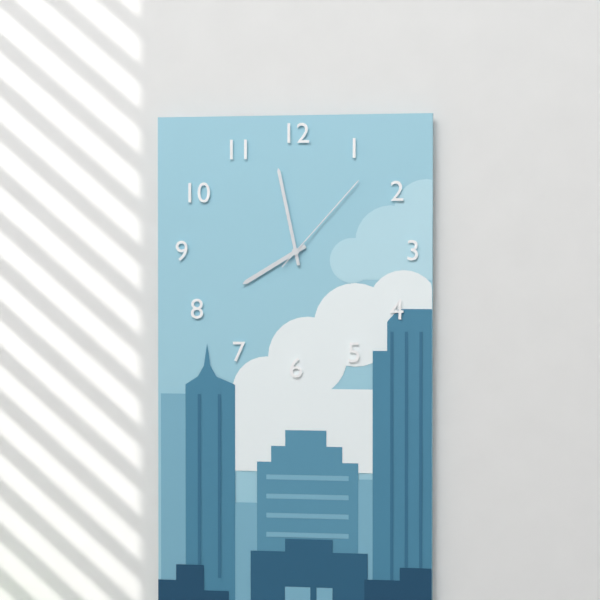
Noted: **7:58:07**
